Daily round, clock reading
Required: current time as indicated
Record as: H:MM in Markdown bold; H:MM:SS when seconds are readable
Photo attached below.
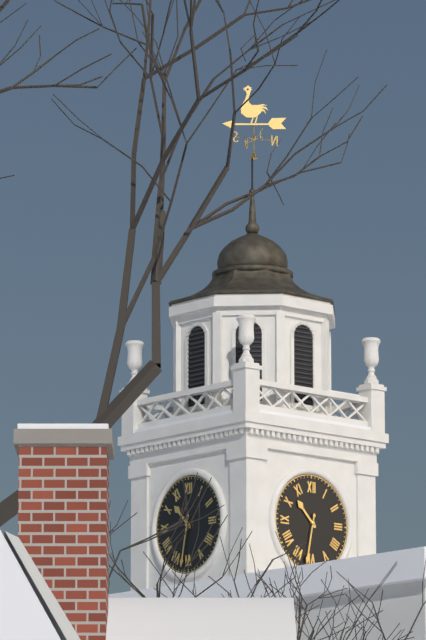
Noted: **10:32**
